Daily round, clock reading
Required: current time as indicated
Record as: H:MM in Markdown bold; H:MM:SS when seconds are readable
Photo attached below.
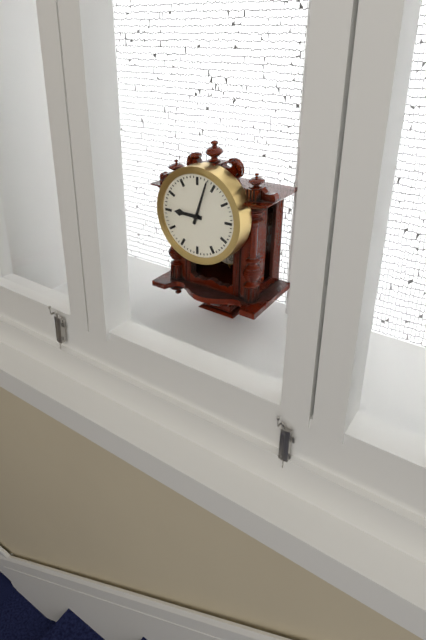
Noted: **9:03**
